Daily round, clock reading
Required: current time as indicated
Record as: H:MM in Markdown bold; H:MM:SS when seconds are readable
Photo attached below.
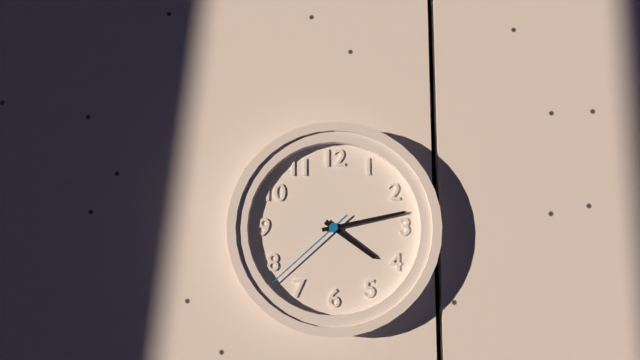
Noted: **4:13:38**
